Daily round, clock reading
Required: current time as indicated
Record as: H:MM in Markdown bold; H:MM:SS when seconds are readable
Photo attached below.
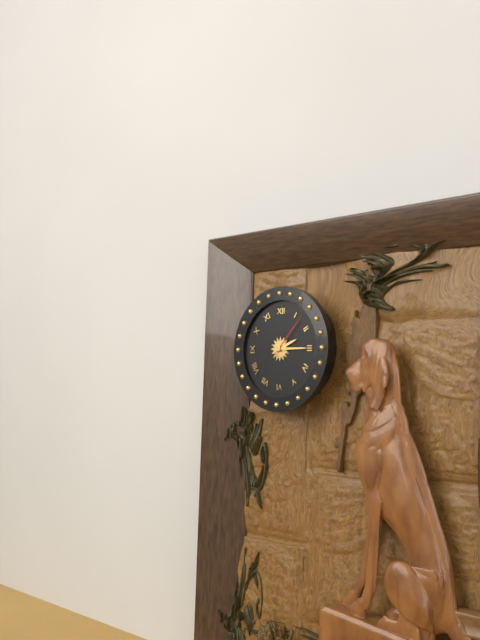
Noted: **2:15**
